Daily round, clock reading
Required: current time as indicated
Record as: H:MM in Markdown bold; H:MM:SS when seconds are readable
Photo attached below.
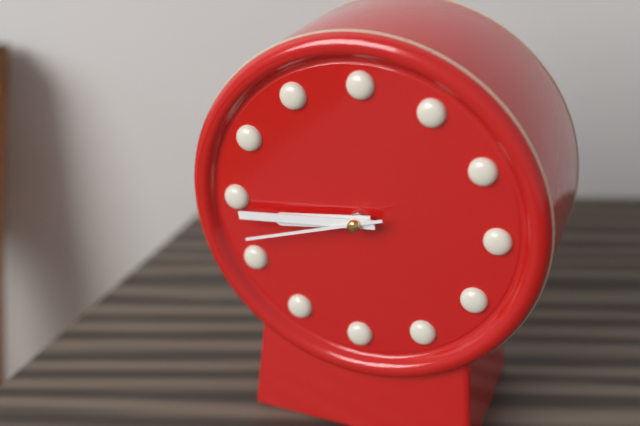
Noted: **8:44:42**
